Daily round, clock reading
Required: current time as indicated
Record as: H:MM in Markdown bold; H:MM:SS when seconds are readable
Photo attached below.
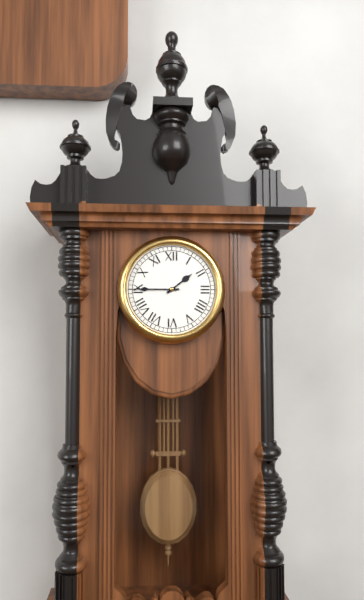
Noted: **1:45**
